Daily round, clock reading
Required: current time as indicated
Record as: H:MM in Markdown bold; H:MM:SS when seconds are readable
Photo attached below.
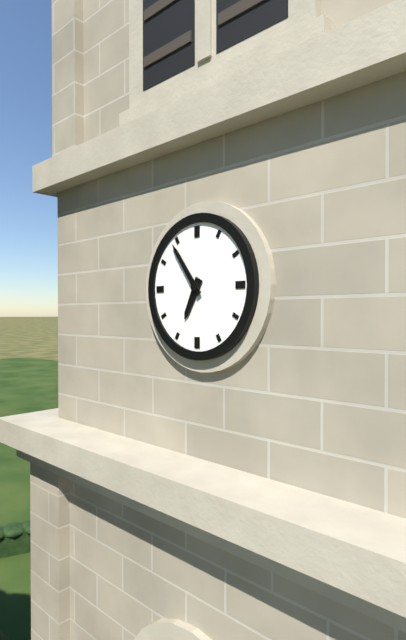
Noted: **6:54**
